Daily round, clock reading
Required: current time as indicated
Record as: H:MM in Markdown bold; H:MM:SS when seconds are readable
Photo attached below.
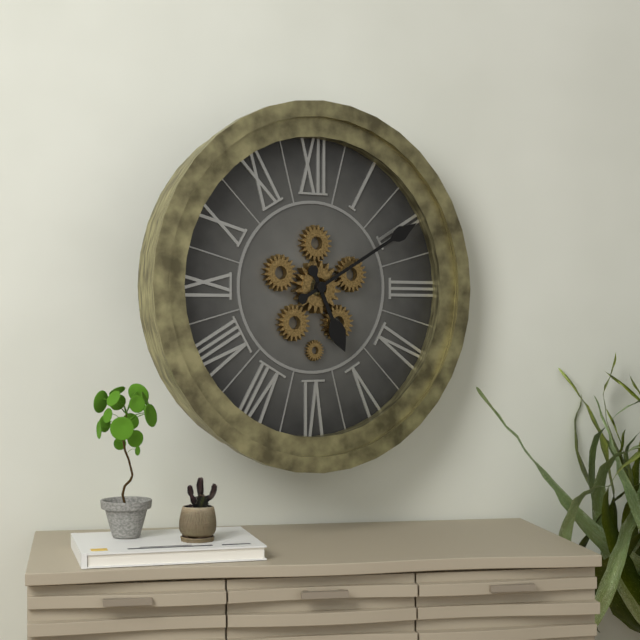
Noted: **5:10**
